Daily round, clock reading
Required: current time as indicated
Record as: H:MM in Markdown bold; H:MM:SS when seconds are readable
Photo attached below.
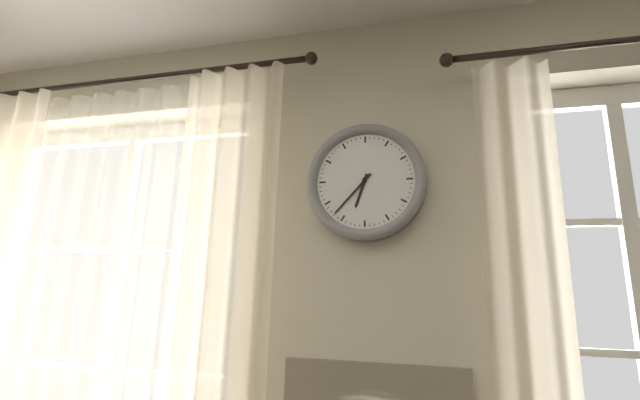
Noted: **6:37**
